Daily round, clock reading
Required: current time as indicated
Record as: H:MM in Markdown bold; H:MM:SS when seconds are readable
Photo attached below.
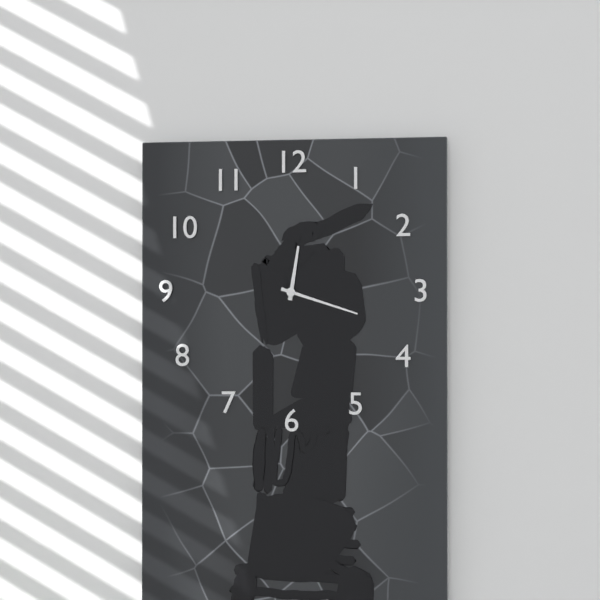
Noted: **12:18**
